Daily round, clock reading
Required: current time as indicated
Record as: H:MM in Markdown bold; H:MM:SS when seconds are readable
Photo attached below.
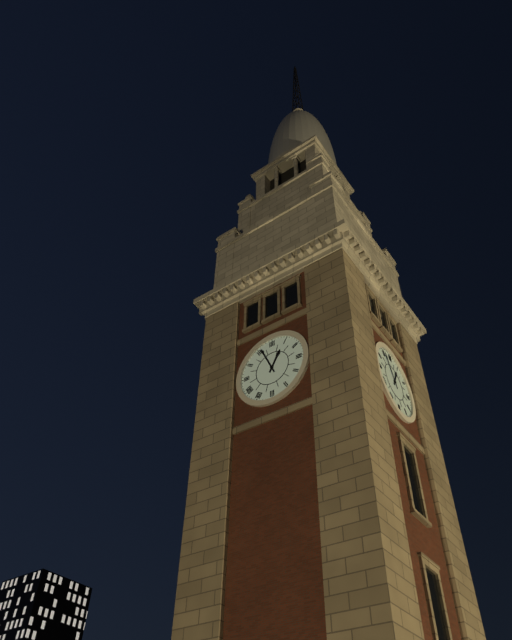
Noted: **12:56**
